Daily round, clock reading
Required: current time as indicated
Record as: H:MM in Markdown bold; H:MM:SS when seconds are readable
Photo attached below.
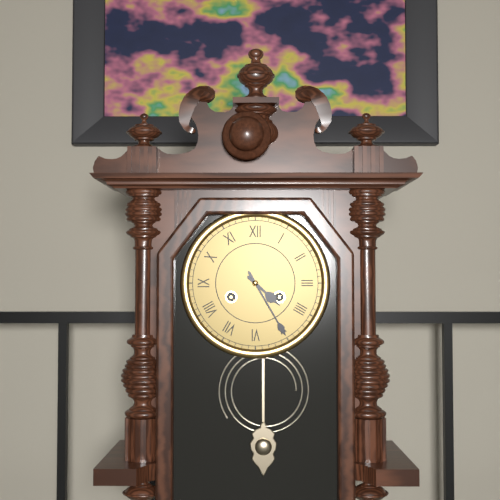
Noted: **4:25**
